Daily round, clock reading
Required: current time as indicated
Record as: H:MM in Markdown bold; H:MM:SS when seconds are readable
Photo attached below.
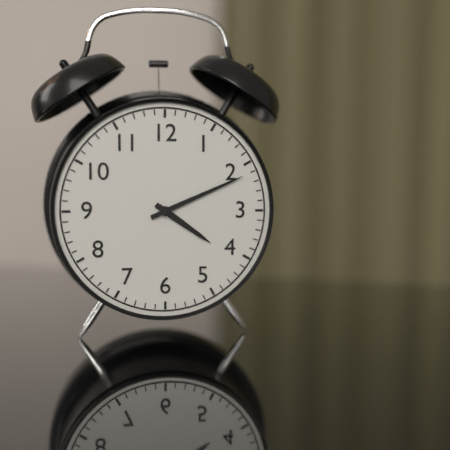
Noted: **4:11**
